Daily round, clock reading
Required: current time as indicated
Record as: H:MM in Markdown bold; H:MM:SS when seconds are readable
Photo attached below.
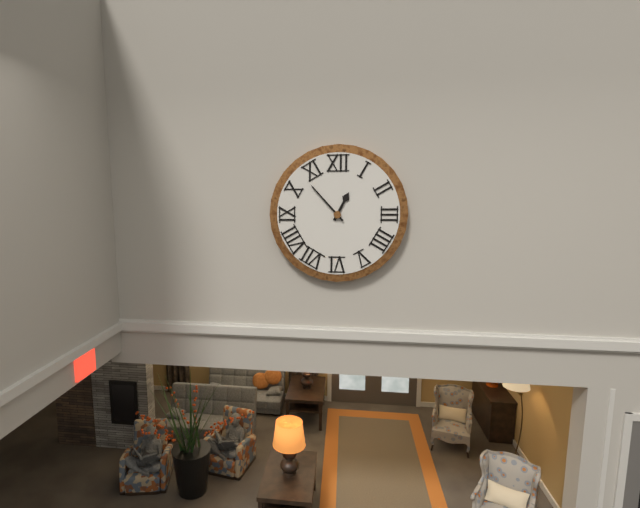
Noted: **12:53**
